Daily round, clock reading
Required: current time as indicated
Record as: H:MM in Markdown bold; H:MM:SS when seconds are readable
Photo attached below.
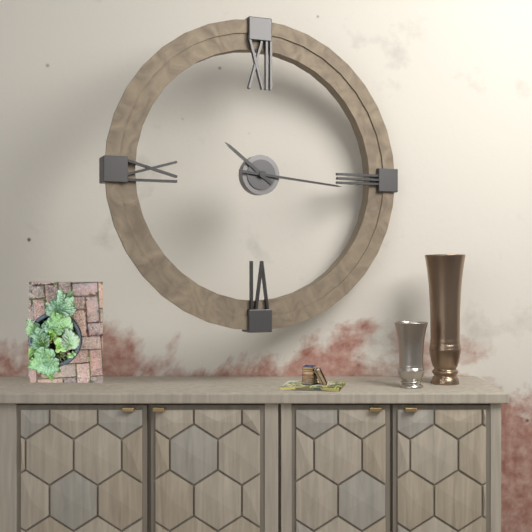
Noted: **10:16**
